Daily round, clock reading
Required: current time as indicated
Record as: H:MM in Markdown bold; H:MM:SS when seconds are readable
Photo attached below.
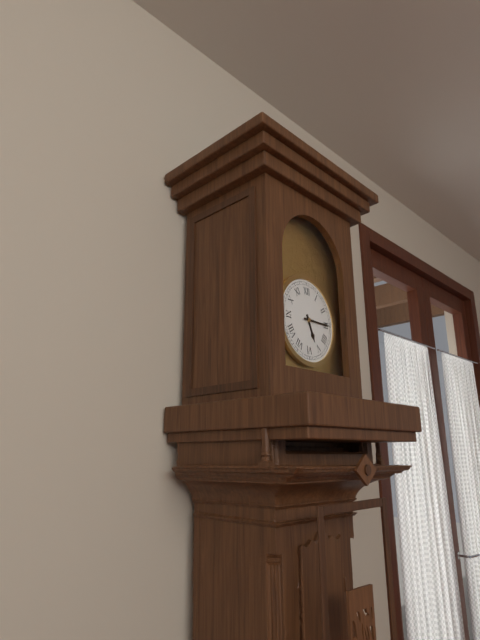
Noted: **5:15**
